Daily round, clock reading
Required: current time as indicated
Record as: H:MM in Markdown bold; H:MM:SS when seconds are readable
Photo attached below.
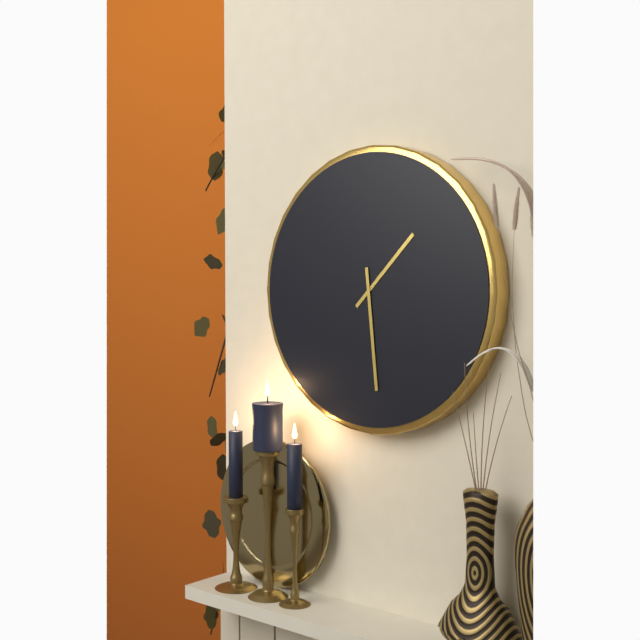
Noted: **1:29**
